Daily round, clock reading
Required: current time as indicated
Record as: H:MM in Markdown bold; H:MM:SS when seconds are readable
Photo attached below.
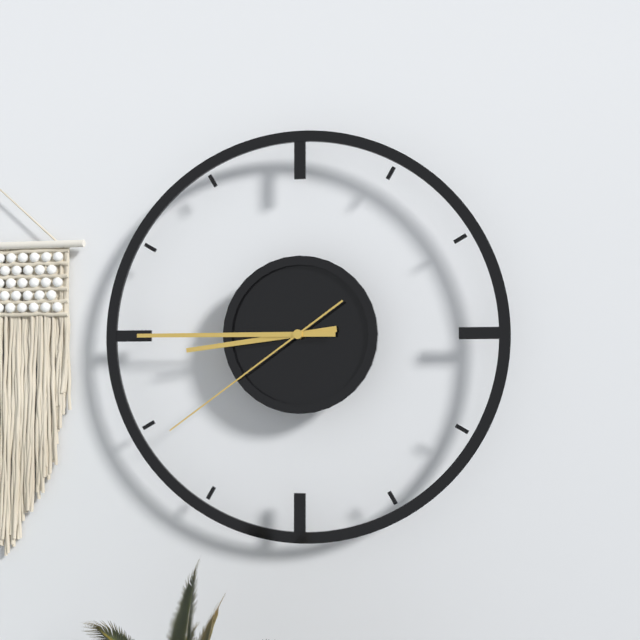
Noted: **8:45:39**
